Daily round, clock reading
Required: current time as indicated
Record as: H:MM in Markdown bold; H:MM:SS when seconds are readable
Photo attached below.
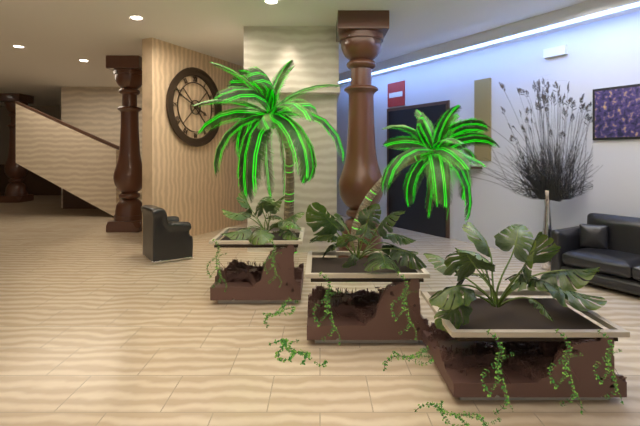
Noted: **3:49**
